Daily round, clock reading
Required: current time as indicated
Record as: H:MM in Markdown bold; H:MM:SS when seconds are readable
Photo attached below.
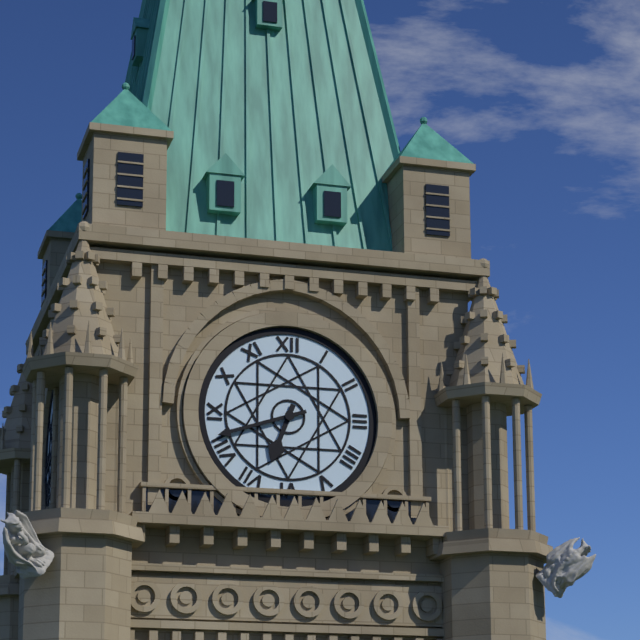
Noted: **6:42**
